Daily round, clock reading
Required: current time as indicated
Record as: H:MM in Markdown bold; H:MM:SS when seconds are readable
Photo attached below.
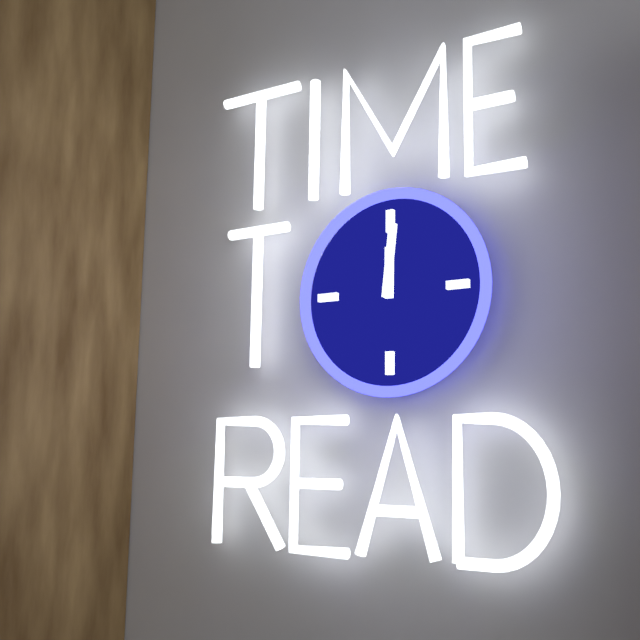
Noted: **12:01**
